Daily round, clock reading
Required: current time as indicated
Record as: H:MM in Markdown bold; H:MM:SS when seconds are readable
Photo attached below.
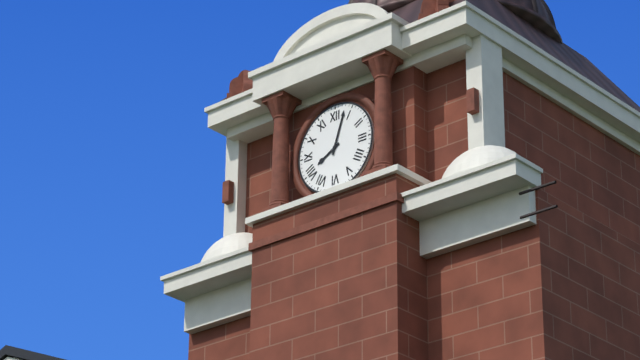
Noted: **8:03**
